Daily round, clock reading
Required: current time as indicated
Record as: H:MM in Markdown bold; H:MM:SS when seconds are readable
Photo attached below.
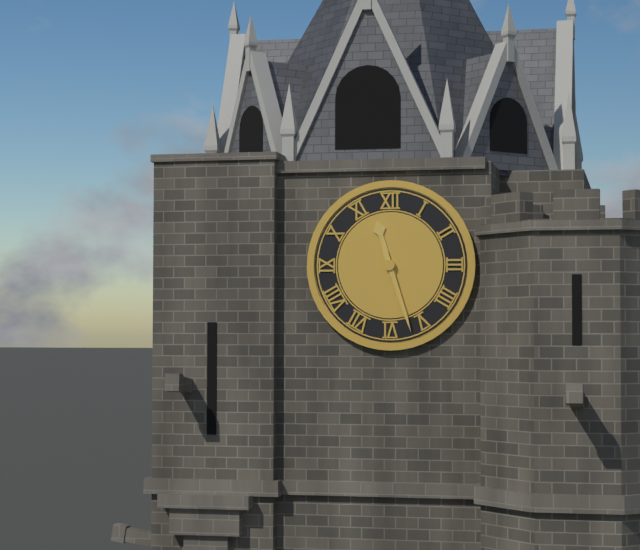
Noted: **11:27**
